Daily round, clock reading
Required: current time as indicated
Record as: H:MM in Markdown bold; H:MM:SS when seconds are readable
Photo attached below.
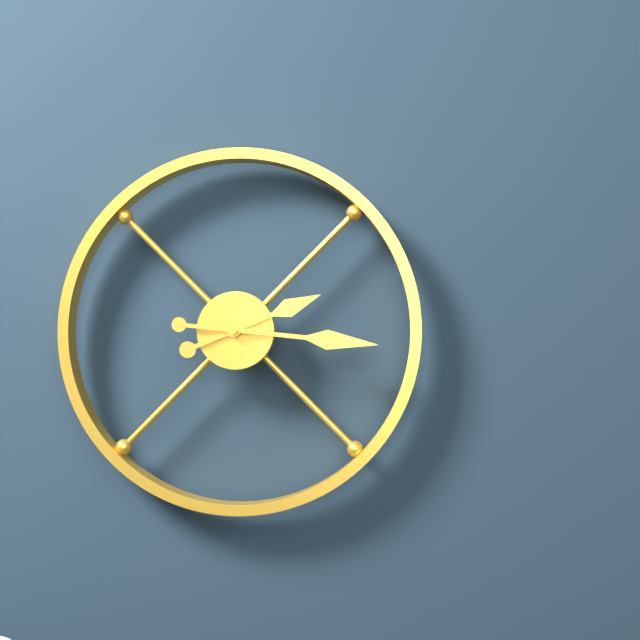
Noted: **2:16**
